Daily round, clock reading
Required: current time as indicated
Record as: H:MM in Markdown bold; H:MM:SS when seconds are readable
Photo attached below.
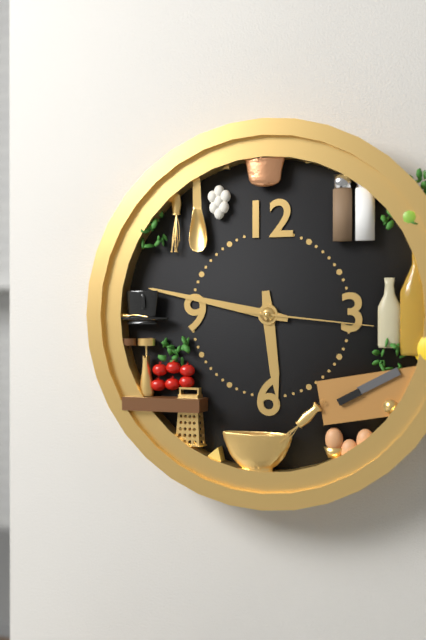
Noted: **5:47:16**
